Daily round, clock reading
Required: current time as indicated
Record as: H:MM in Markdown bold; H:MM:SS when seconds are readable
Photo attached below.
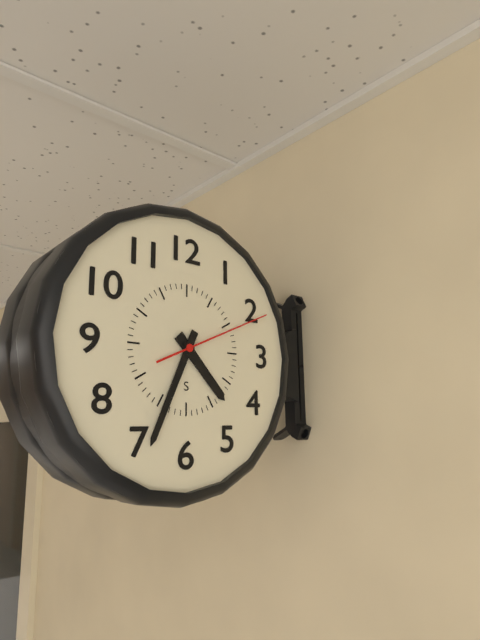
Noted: **4:34:11**
